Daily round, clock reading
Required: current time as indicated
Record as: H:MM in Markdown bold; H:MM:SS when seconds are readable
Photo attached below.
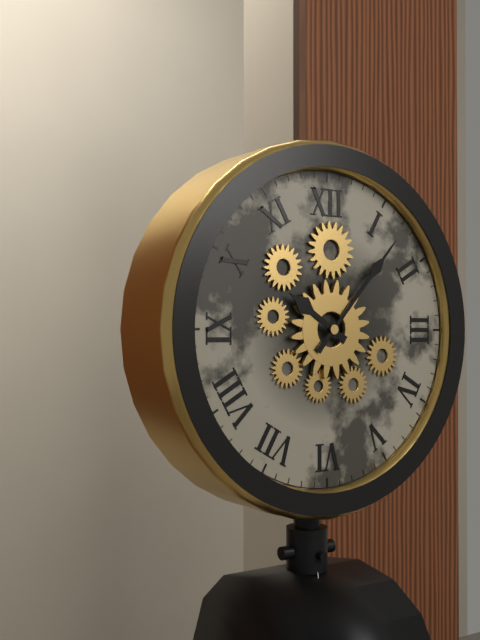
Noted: **10:07**
